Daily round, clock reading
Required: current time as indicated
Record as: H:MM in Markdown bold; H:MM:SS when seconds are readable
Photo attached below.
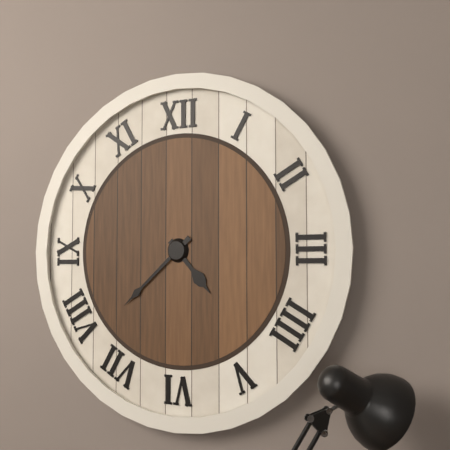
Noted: **4:38**
